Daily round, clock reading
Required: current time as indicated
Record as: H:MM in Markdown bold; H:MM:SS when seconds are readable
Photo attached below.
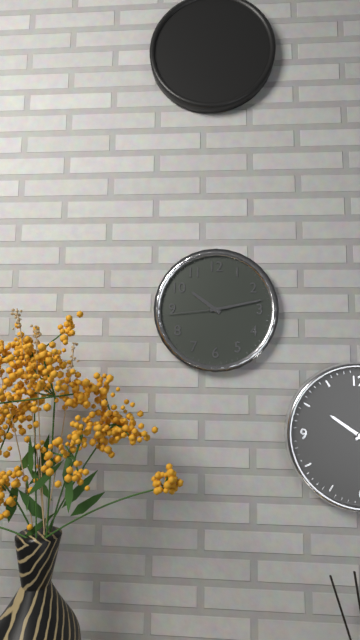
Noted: **10:13:44**
